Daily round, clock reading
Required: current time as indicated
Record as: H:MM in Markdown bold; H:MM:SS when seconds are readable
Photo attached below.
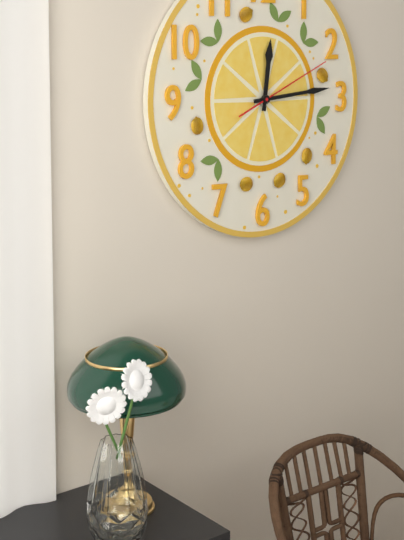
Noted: **12:14:11**
